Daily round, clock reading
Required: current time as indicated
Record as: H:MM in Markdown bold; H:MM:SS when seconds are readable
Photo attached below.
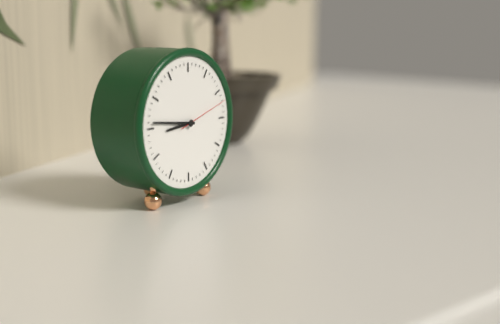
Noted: **8:46:12**
